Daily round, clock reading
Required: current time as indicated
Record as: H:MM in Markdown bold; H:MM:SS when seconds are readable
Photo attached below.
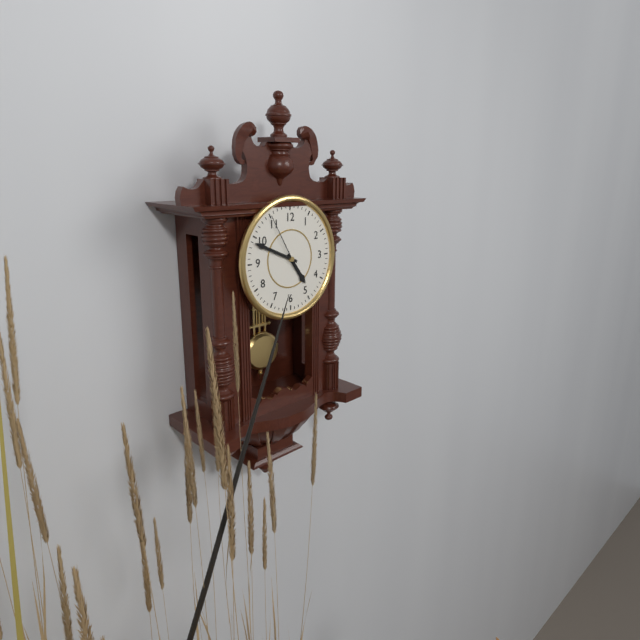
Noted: **4:49:55**
